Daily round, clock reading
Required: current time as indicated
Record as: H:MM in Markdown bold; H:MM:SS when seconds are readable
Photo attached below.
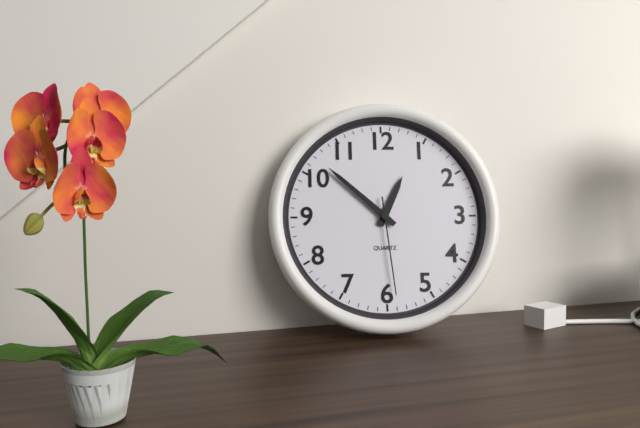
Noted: **12:52:29**
